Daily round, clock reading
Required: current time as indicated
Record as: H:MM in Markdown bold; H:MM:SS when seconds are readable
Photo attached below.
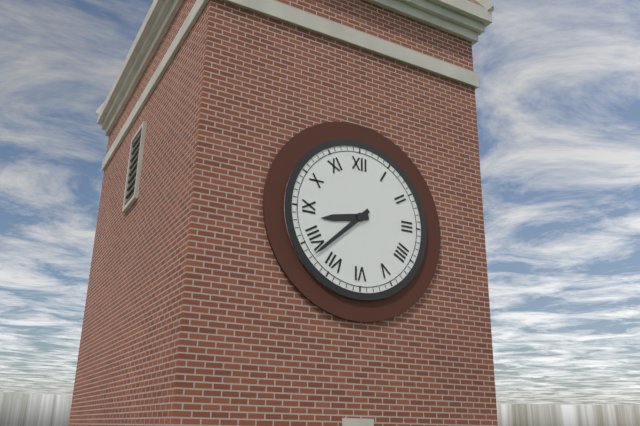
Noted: **8:38**
